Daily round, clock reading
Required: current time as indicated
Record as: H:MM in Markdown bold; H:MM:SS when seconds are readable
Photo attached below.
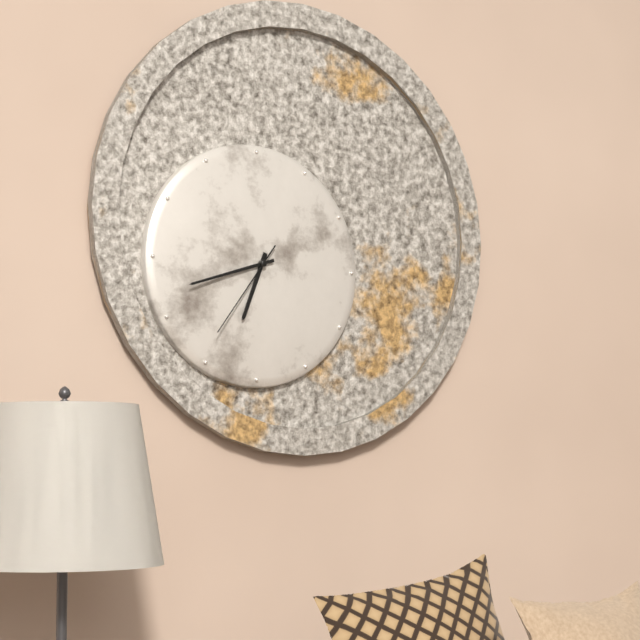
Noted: **6:42:36**
